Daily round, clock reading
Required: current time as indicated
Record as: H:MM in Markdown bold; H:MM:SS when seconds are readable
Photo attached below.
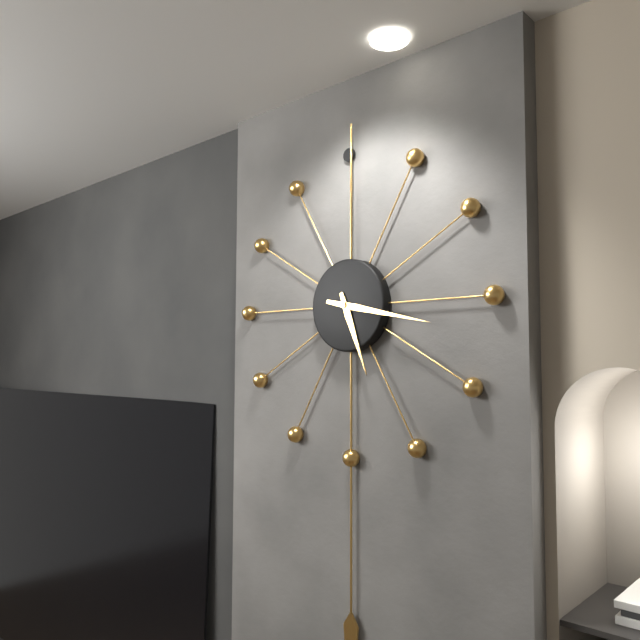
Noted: **5:17**
